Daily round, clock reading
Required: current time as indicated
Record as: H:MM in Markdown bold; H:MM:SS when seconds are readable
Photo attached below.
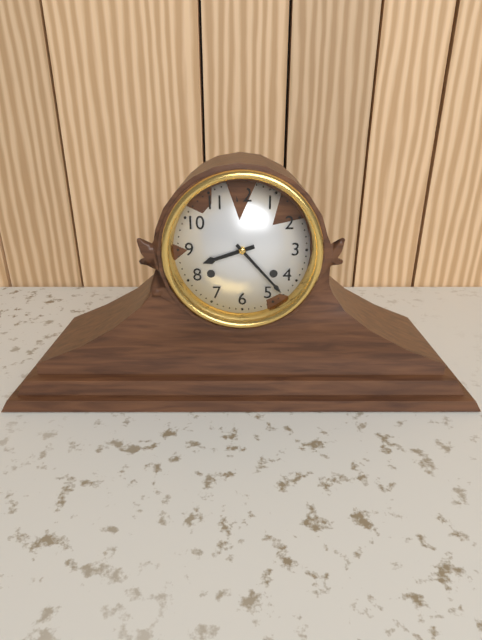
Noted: **8:23**
